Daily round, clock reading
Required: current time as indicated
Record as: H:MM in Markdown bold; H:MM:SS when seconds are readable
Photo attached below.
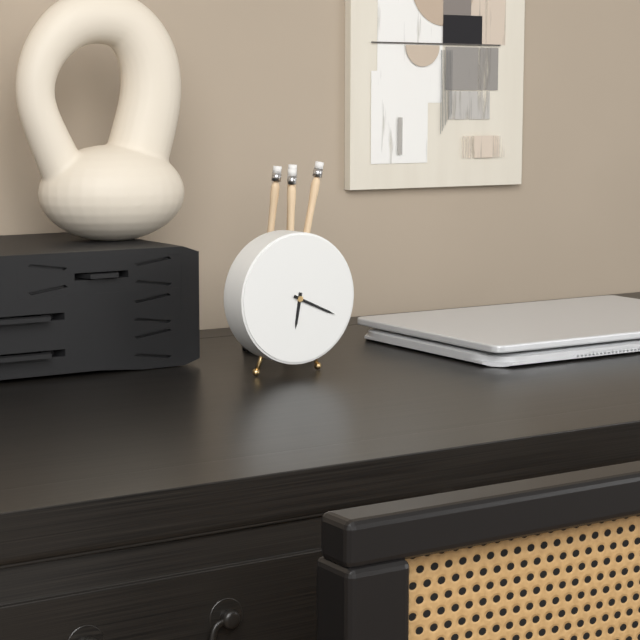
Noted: **6:19**
